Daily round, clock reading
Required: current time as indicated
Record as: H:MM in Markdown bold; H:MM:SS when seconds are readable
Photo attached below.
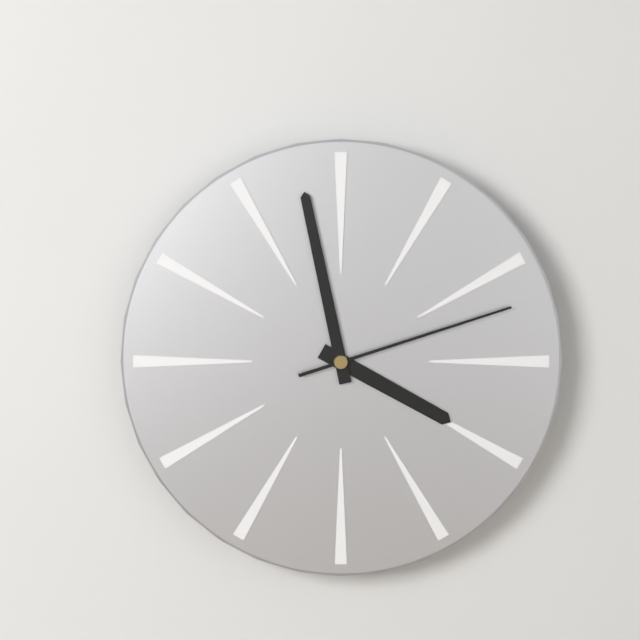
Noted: **3:58:12**
